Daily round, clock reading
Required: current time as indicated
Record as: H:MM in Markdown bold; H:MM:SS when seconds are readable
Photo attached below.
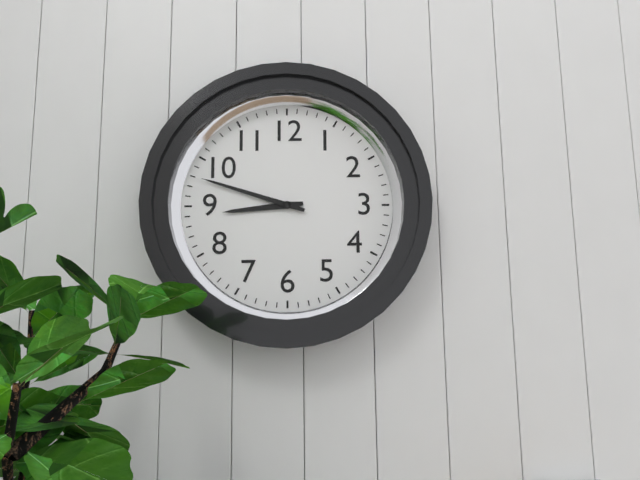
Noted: **8:48**
